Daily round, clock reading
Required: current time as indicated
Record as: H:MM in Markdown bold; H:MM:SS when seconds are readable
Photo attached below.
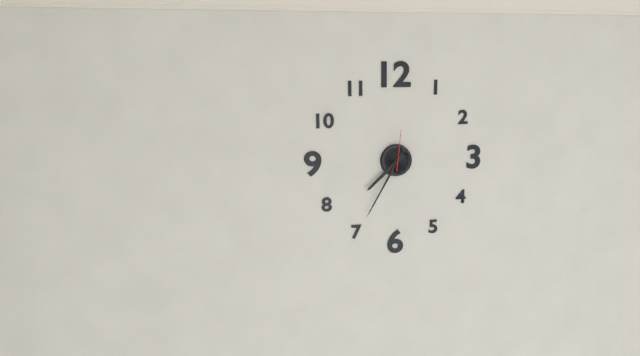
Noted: **7:35**
